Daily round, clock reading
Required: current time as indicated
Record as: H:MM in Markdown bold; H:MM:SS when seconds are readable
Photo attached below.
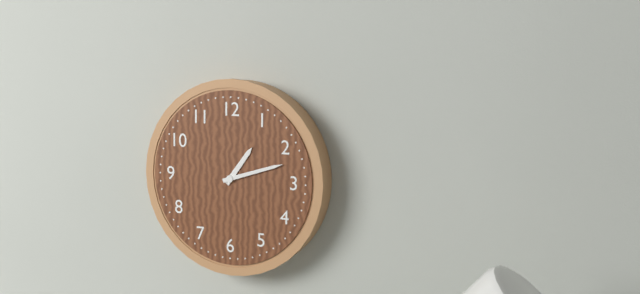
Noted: **1:12**
